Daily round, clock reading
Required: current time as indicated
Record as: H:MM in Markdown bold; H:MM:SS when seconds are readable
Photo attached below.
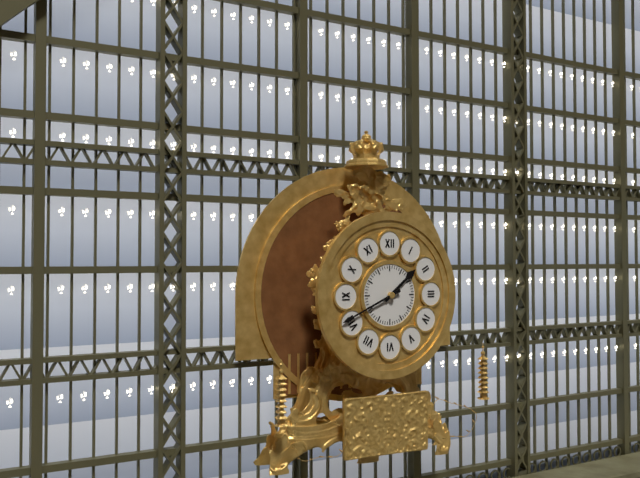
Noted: **1:41**
